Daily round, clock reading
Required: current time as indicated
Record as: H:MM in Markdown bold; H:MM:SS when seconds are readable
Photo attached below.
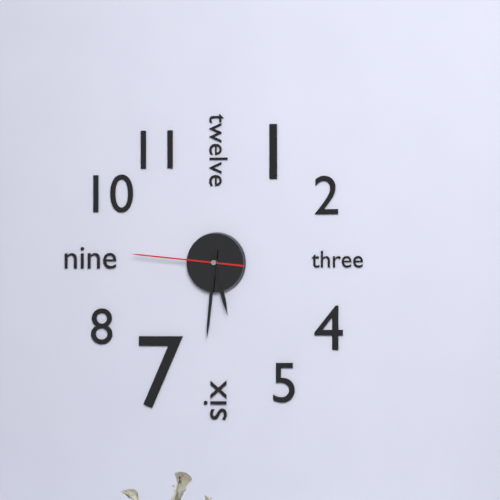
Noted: **5:31:46**
